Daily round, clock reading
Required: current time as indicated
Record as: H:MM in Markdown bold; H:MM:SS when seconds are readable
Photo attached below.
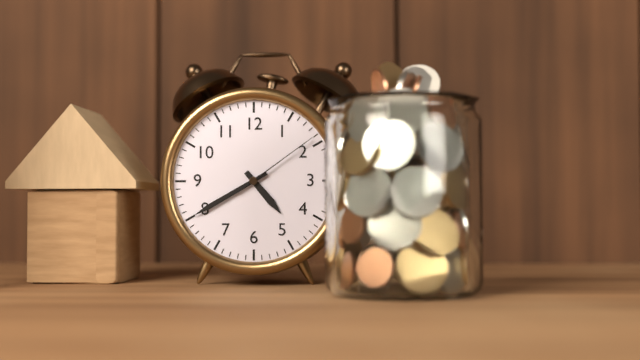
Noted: **4:40:09**
